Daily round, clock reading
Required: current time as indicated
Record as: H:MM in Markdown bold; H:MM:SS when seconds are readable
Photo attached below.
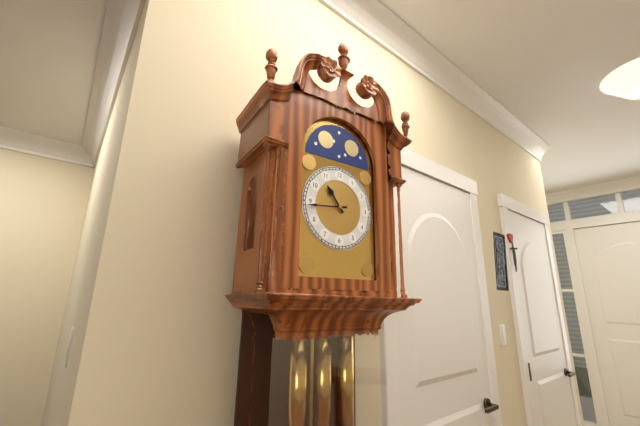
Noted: **10:44**
